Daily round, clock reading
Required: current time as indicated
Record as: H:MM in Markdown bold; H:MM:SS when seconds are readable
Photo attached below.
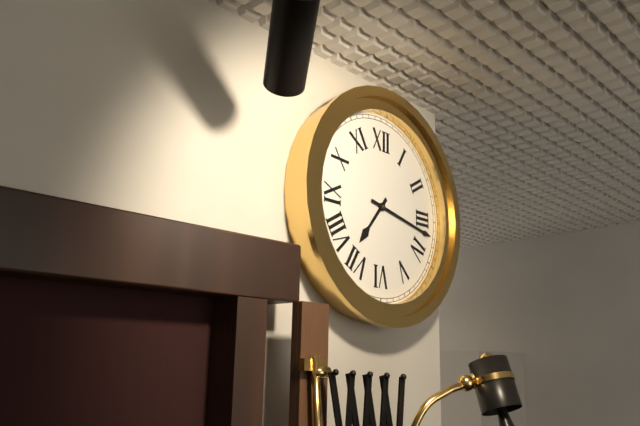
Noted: **7:17**
